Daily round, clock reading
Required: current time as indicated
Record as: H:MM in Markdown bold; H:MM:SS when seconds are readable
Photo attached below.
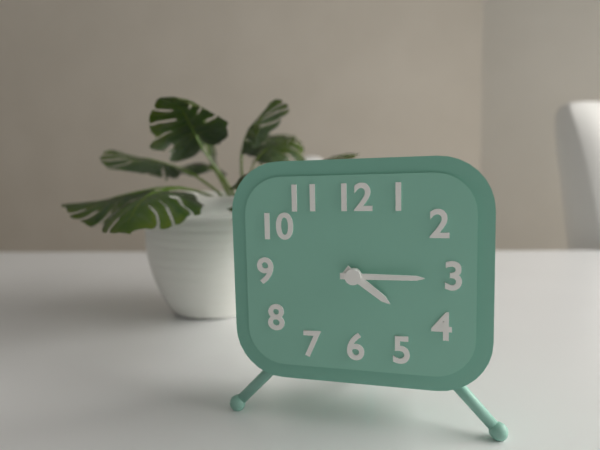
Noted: **4:15**
